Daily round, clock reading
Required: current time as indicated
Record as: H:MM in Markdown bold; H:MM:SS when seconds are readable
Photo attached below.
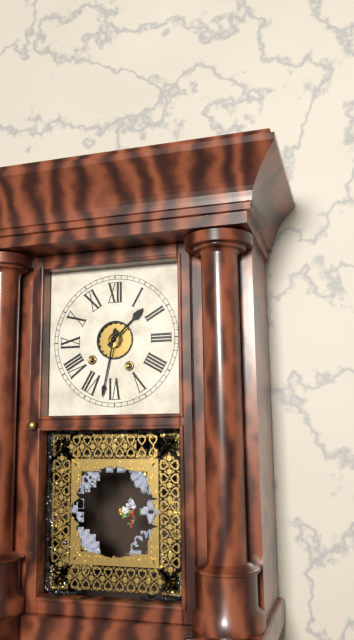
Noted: **1:32**
